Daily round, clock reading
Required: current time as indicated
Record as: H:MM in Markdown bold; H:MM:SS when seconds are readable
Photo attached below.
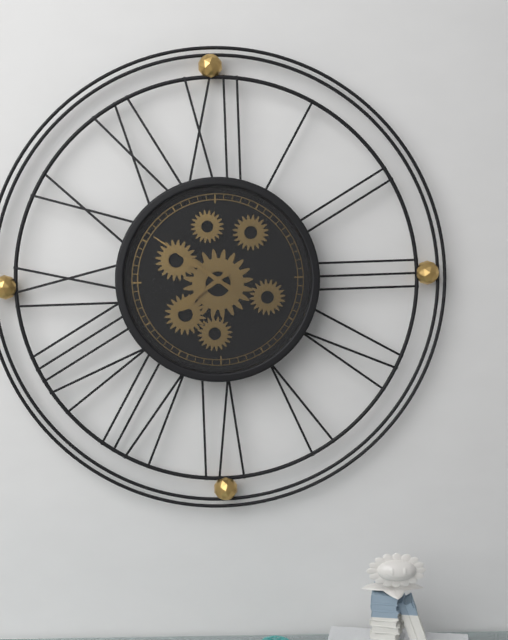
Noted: **7:51**
